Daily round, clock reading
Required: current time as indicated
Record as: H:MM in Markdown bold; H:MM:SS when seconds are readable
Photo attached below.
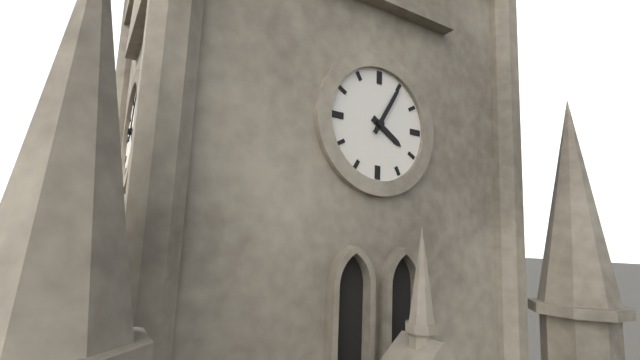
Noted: **4:05**
